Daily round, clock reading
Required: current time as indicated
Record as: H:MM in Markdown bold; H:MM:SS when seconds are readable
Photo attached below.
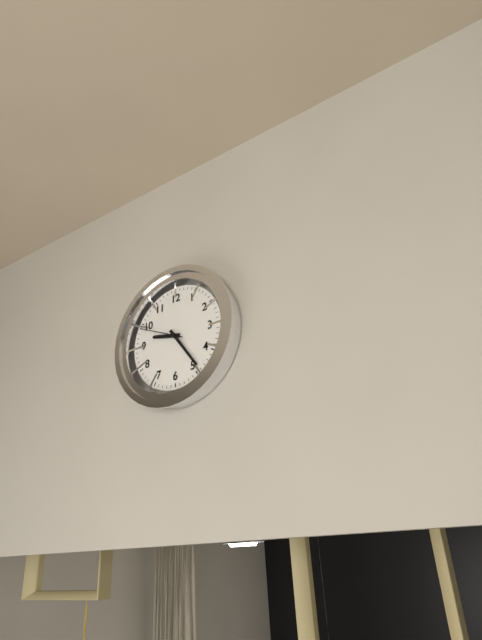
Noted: **9:24**
